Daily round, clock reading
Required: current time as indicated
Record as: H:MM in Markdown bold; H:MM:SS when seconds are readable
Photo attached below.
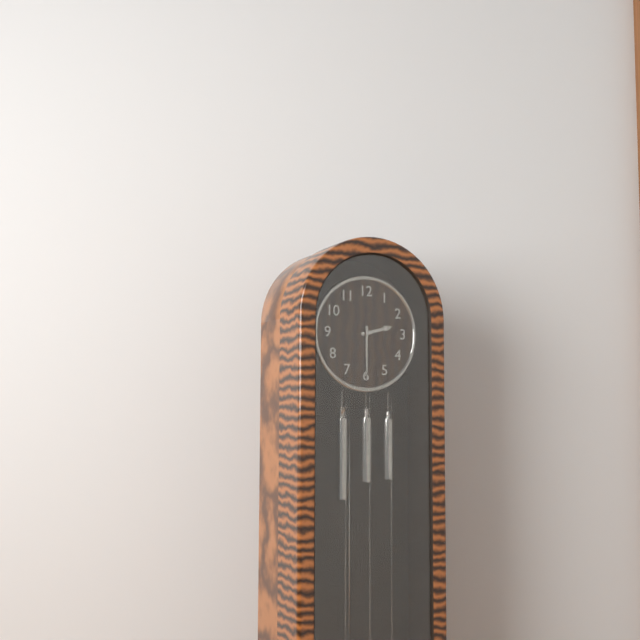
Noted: **2:30**
